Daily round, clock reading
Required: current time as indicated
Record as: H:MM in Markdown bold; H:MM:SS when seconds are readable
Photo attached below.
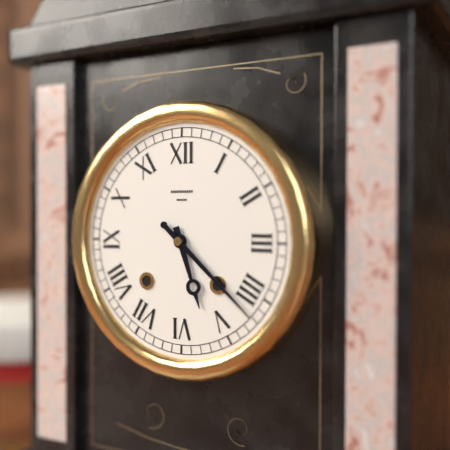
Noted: **5:22**
